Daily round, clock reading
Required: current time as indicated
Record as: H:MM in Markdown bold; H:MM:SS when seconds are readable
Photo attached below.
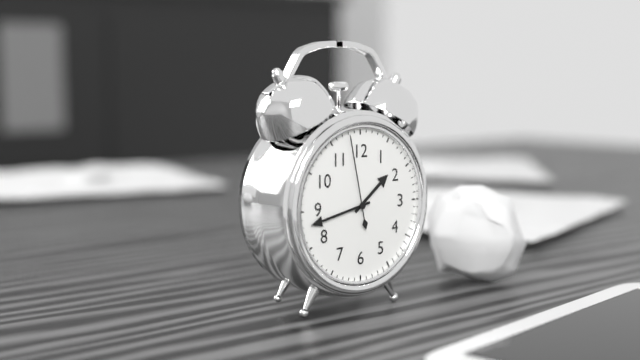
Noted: **1:43:58**
